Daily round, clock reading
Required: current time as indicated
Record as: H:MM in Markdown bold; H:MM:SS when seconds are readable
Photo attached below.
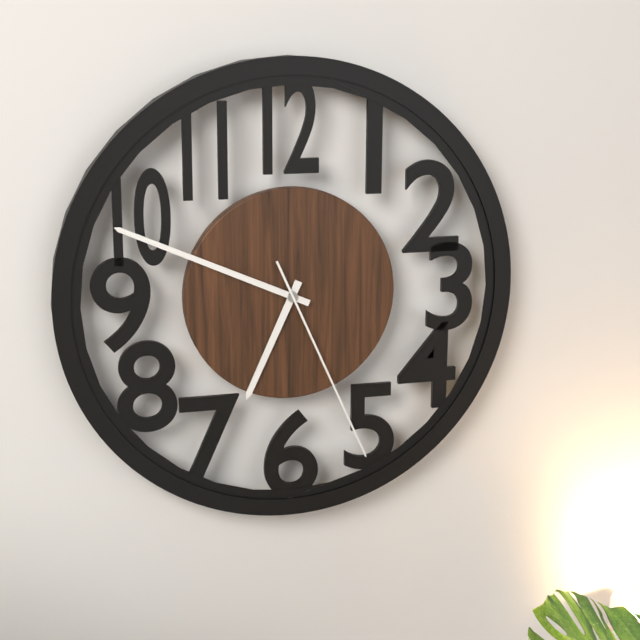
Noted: **6:49:26**
